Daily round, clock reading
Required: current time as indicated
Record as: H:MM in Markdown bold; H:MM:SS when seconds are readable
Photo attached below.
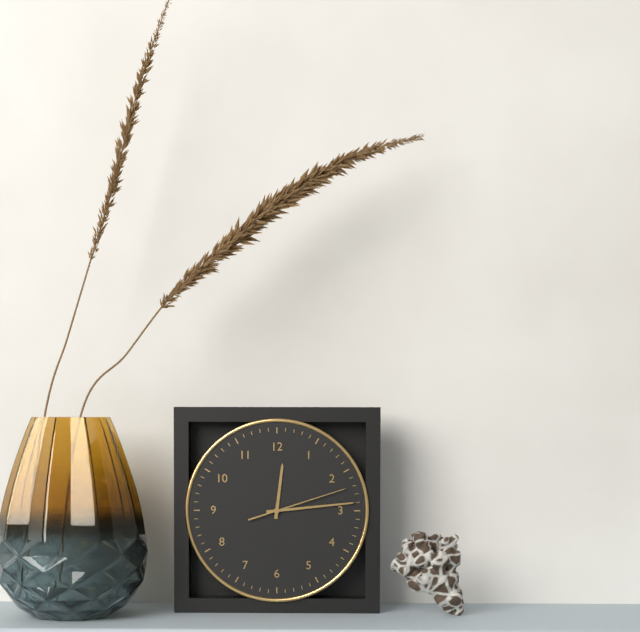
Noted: **12:14:12**
